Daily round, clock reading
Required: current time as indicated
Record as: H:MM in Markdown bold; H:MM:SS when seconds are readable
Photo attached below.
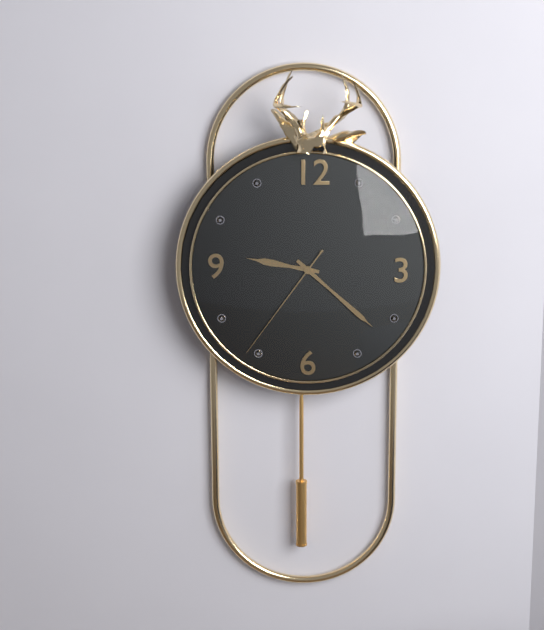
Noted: **9:22:36**
